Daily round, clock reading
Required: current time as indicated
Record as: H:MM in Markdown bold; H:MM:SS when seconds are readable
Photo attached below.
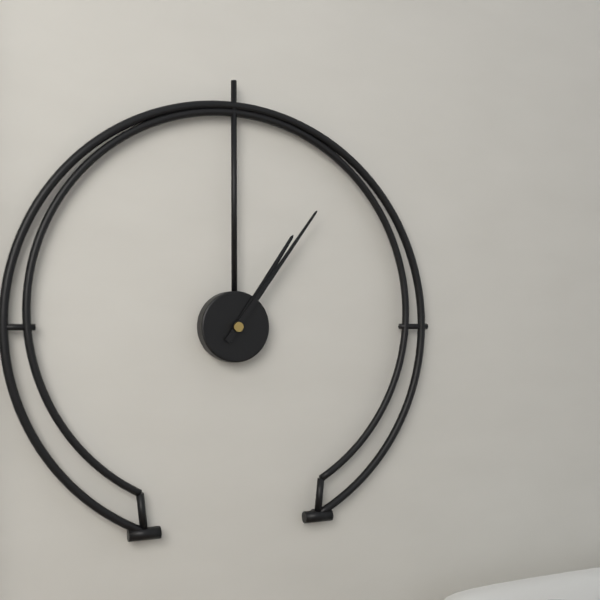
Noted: **1:06**
